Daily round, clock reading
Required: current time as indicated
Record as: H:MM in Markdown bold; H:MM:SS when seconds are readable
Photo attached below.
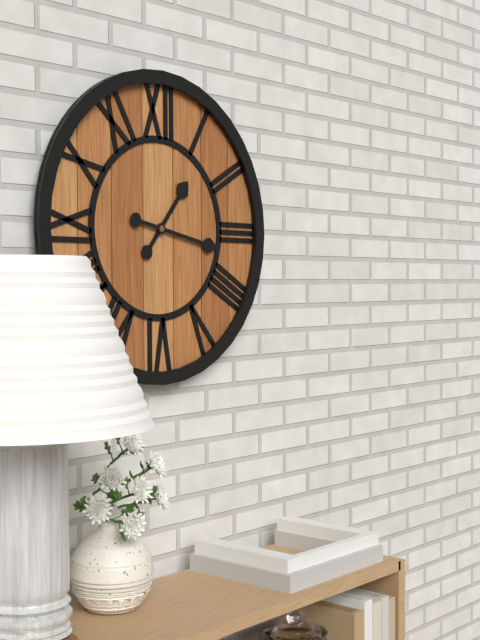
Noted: **1:17**
